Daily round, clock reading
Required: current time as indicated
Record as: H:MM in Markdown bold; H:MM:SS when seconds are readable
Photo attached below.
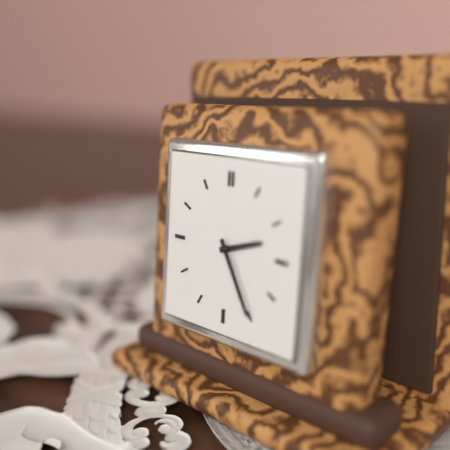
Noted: **2:25**
